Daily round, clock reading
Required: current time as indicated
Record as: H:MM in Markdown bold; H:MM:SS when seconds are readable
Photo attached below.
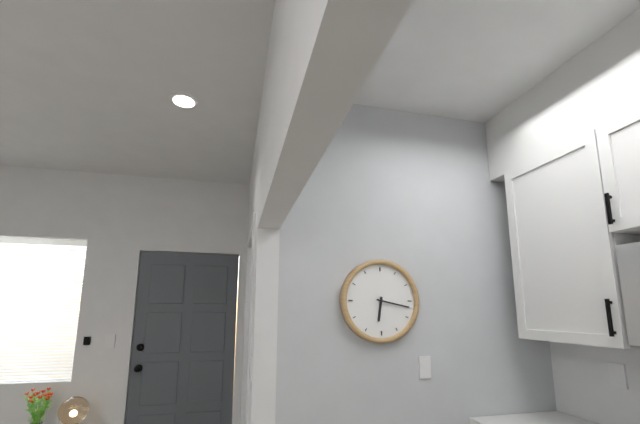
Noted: **6:17**
